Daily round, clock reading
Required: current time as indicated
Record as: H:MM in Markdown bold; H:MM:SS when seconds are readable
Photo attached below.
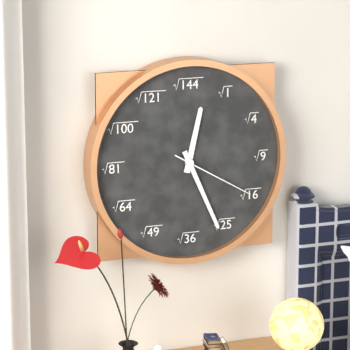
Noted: **12:26:20**
